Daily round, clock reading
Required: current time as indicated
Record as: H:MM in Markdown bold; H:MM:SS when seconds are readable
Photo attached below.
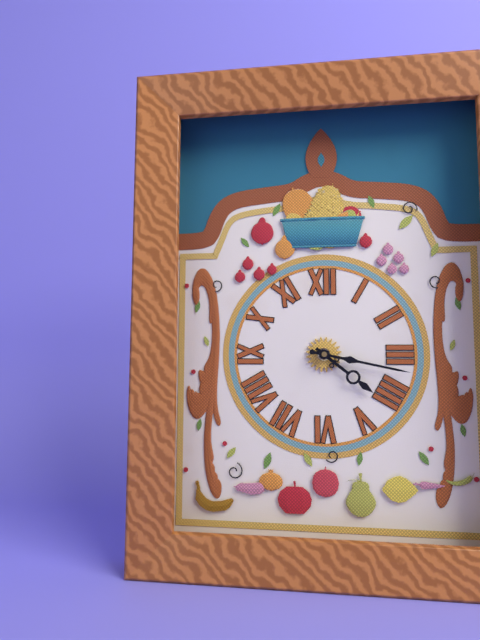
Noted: **4:17**
